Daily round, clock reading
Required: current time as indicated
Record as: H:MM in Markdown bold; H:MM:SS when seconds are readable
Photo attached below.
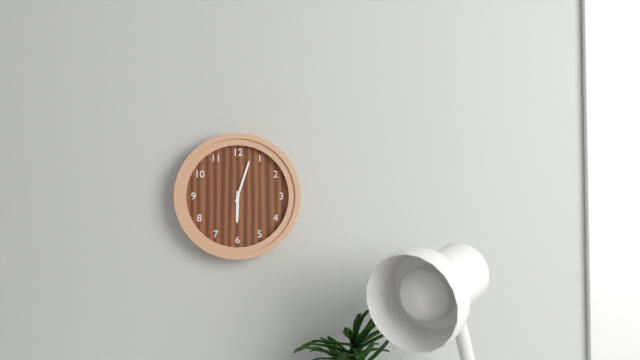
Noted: **6:03**
